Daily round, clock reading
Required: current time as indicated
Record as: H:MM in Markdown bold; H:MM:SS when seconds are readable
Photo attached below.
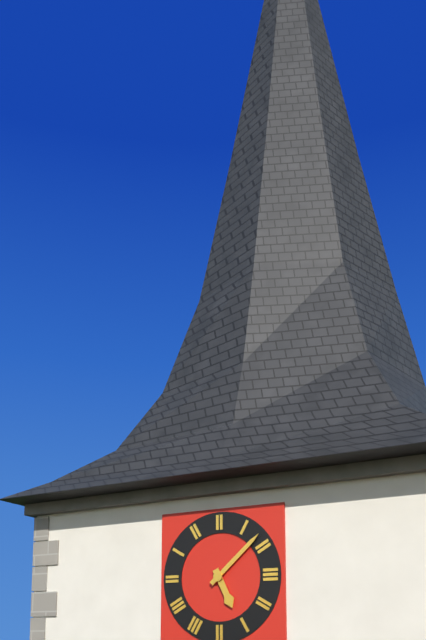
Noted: **5:08**
